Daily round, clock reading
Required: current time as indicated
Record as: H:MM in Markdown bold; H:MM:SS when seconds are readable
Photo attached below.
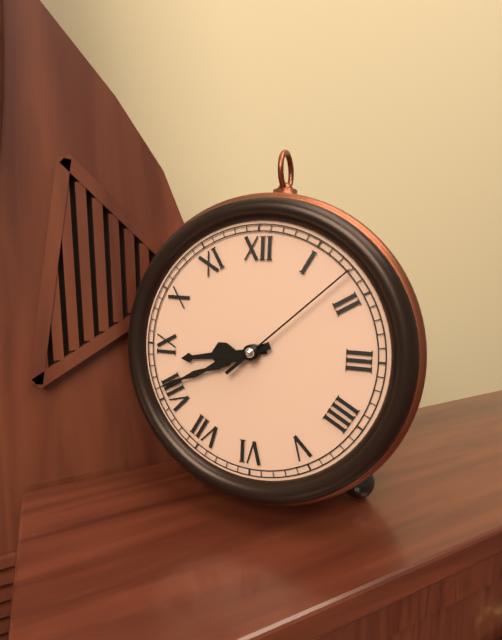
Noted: **8:41:08**
